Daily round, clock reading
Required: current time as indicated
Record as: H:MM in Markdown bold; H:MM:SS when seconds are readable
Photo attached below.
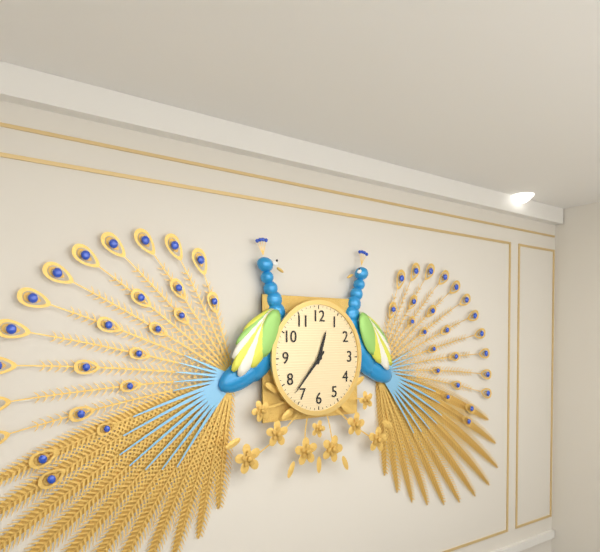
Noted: **12:37**
